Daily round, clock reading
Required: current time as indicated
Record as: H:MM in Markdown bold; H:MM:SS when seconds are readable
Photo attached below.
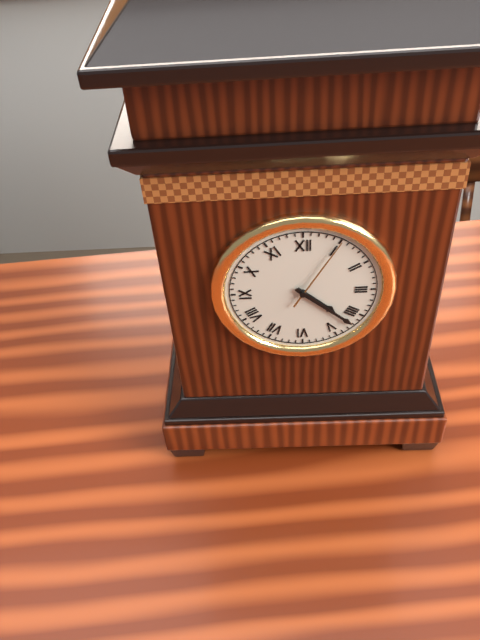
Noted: **4:22:05**
